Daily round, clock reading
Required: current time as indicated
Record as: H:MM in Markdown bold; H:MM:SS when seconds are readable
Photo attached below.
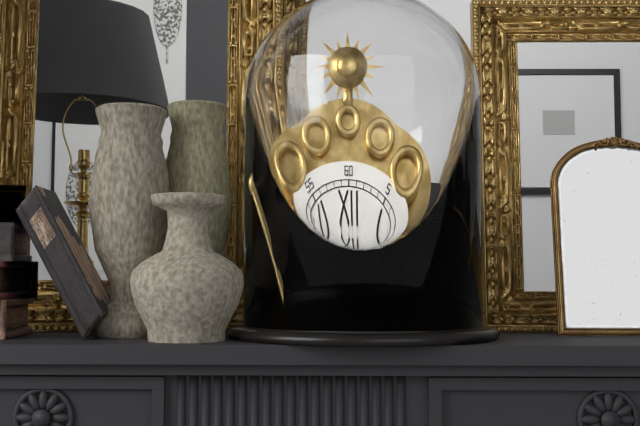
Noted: **3:18**
